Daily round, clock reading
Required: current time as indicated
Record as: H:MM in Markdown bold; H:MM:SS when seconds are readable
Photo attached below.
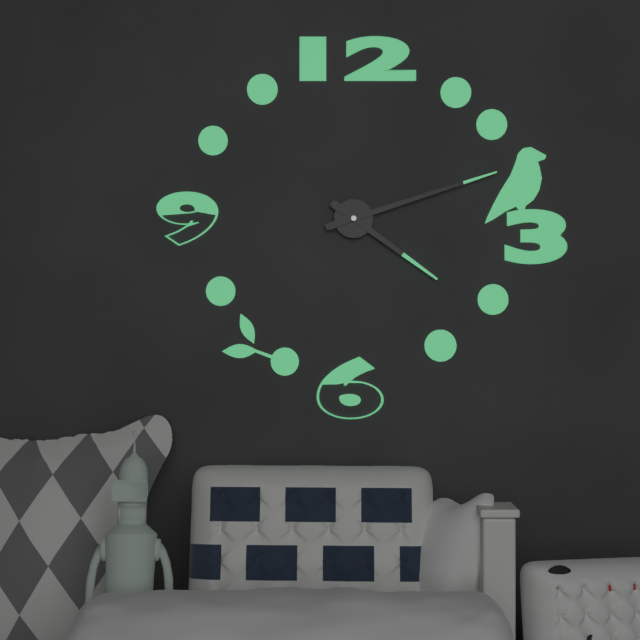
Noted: **4:12**
